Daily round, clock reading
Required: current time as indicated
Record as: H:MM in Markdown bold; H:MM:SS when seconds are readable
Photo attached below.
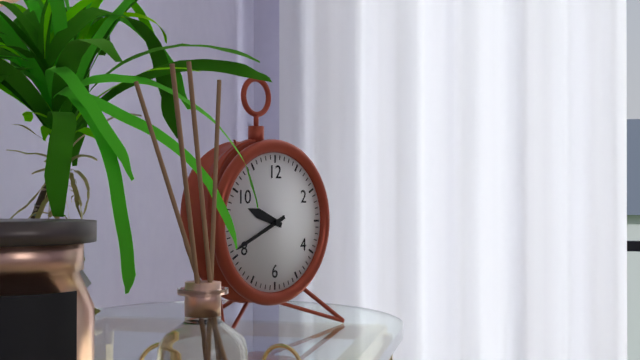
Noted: **9:41**
